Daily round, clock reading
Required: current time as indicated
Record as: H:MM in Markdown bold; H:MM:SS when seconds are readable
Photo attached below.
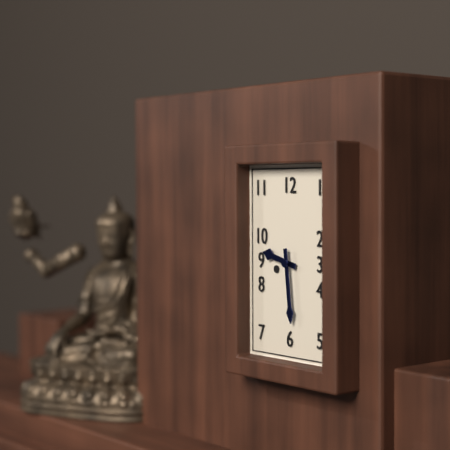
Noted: **9:29**
